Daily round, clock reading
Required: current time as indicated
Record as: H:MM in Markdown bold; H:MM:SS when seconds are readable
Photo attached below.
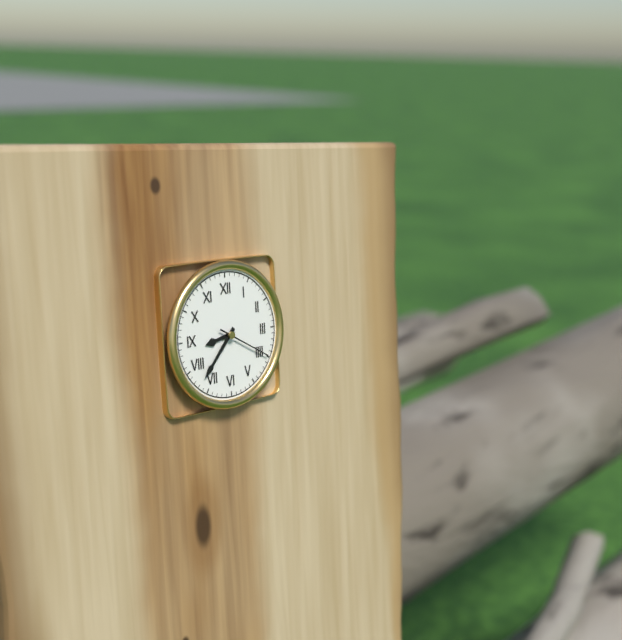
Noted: **8:37:20**
